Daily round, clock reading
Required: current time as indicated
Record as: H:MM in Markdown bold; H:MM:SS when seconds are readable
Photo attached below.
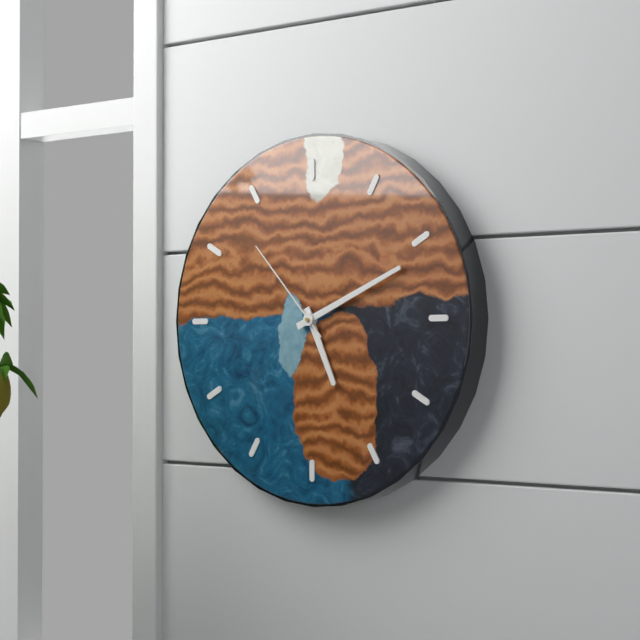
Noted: **5:11:53**
